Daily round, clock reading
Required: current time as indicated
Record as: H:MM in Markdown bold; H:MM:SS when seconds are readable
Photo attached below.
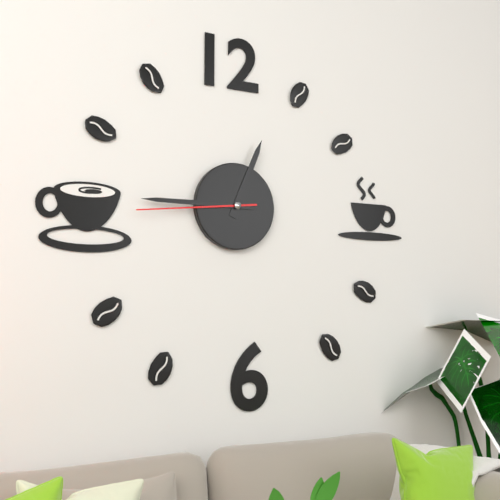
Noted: **12:45:44**
